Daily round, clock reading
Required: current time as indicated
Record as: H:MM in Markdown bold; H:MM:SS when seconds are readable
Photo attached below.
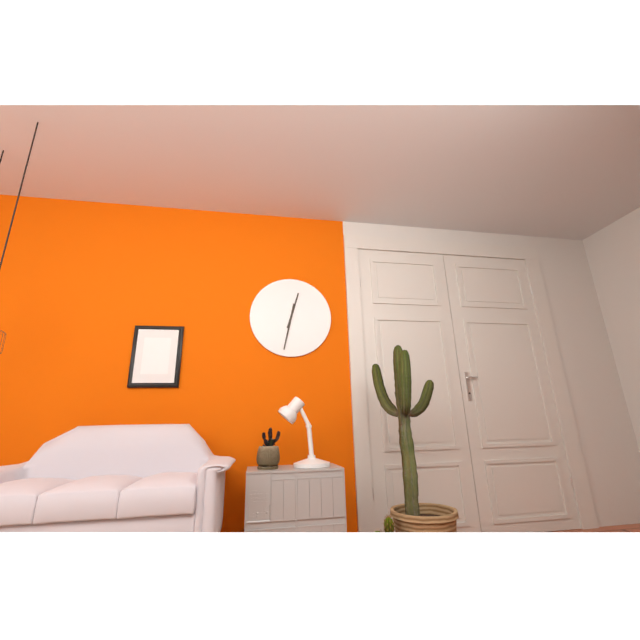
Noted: **12:32**
